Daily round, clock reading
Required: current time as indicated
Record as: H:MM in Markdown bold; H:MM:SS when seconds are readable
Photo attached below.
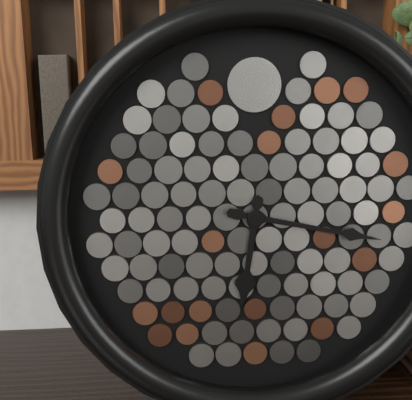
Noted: **6:17**
